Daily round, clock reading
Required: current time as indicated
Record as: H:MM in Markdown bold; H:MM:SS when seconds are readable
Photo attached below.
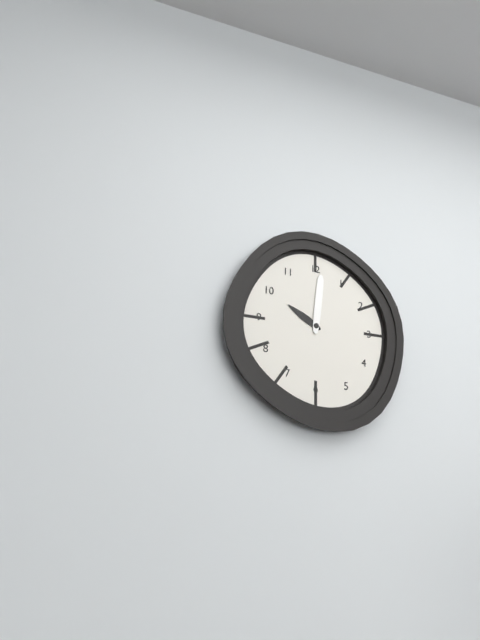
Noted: **10:01**
